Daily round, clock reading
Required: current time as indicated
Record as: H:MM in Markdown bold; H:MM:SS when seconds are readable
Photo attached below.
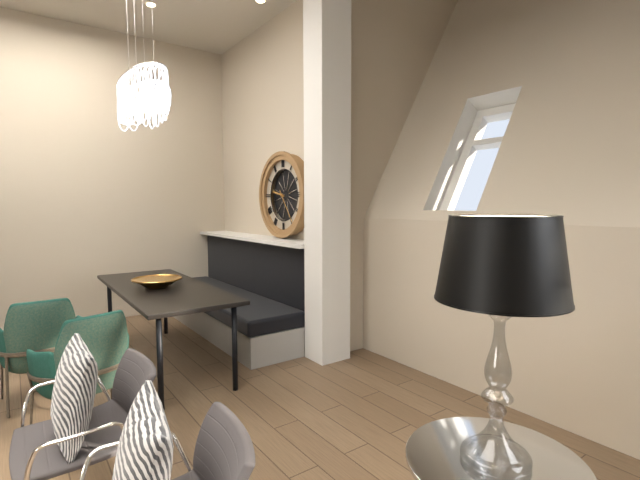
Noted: **9:24**
